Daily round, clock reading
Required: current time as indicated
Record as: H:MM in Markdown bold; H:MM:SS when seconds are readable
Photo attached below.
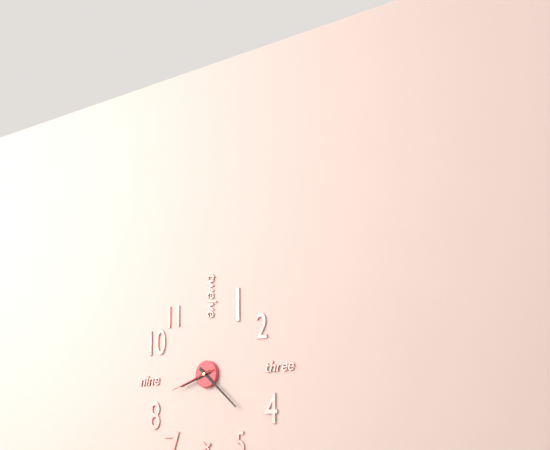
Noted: **8:22**
